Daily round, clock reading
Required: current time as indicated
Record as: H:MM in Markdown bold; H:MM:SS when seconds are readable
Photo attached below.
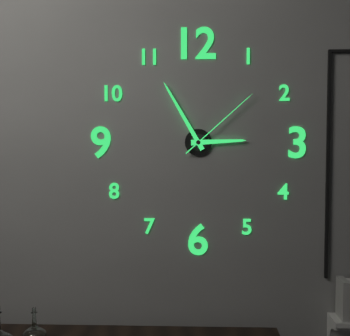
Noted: **2:55:08**
